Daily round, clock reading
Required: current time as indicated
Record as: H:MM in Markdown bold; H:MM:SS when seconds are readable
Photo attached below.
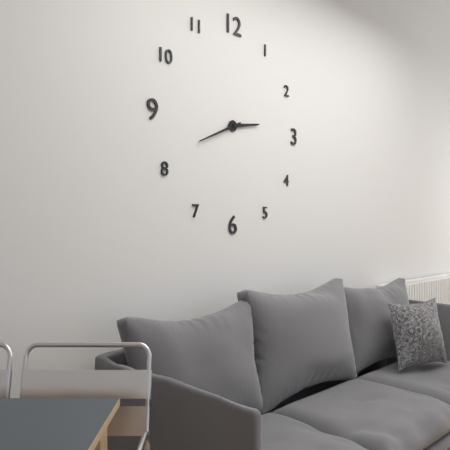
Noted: **2:41**
